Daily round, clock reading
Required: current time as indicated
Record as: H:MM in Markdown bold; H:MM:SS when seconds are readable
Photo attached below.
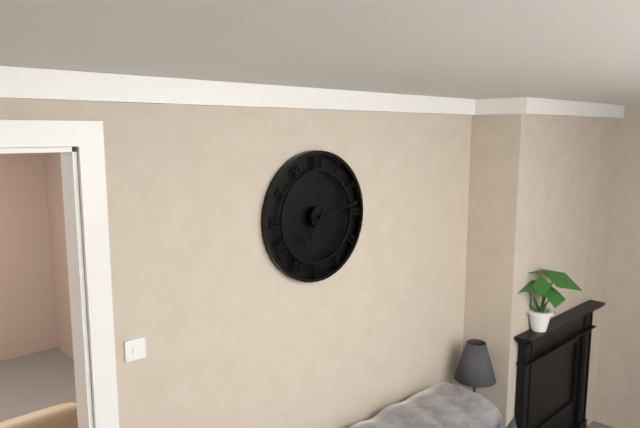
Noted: **7:13**
